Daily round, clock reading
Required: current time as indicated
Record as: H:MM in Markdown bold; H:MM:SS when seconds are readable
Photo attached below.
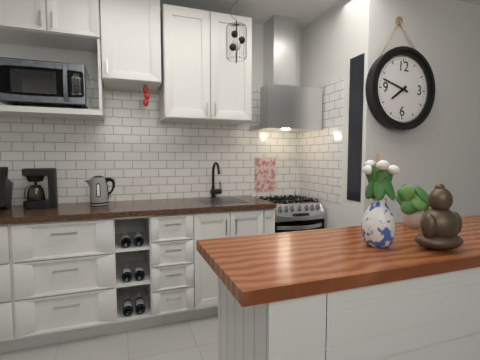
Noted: **7:48**
